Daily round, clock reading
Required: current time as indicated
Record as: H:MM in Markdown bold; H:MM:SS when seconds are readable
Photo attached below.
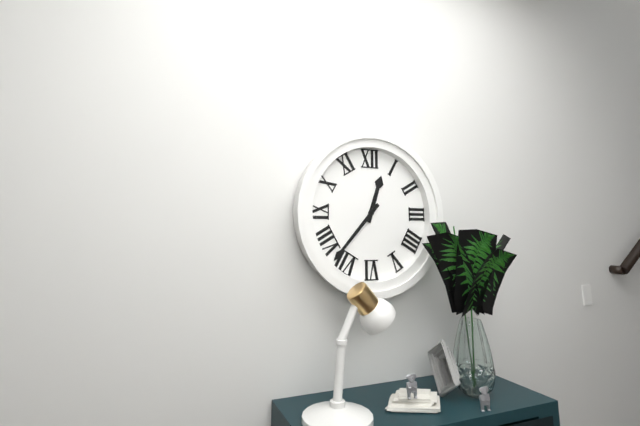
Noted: **12:37**
